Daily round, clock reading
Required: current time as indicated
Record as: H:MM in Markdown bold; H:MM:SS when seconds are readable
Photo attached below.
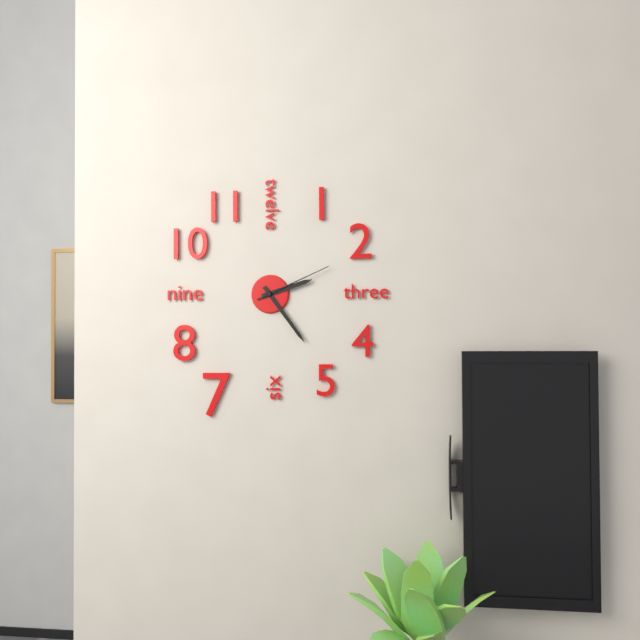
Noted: **2:24:11**
